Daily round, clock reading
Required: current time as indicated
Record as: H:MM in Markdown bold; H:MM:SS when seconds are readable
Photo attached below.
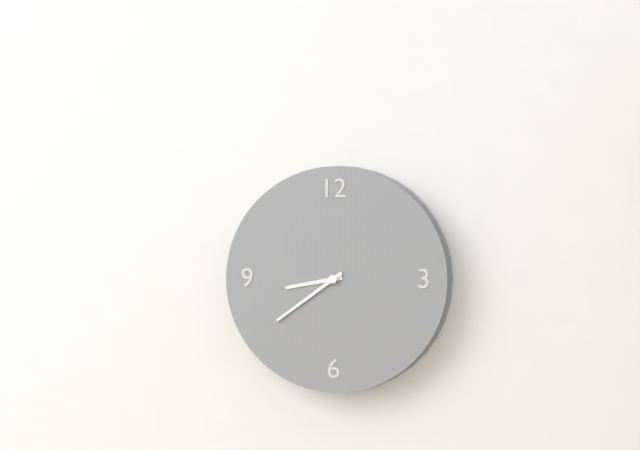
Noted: **8:39**
